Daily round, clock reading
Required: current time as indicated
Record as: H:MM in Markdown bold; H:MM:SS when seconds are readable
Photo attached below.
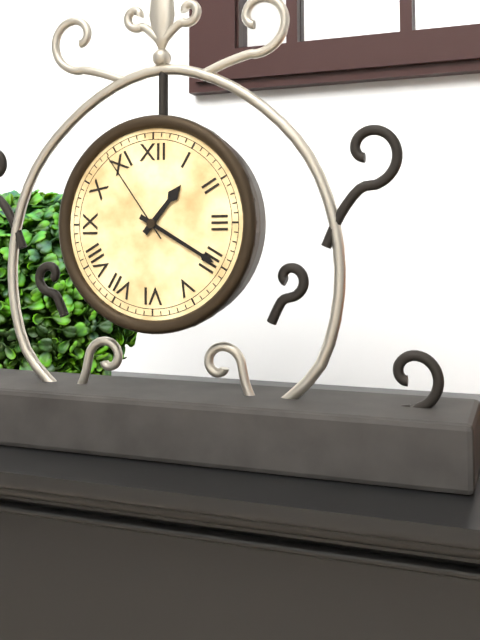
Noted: **1:20:54**
